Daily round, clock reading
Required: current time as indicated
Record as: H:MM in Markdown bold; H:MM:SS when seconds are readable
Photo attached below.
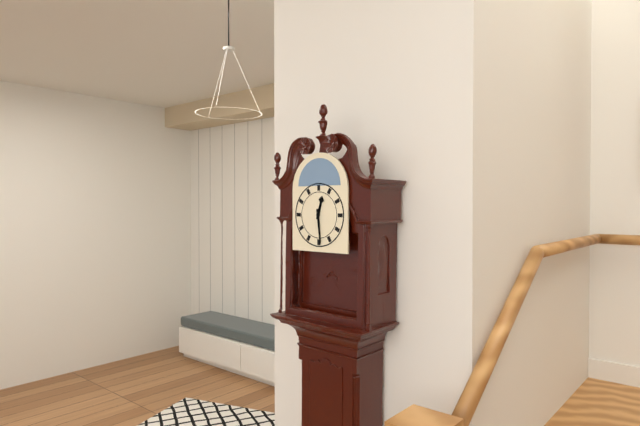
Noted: **12:29**
